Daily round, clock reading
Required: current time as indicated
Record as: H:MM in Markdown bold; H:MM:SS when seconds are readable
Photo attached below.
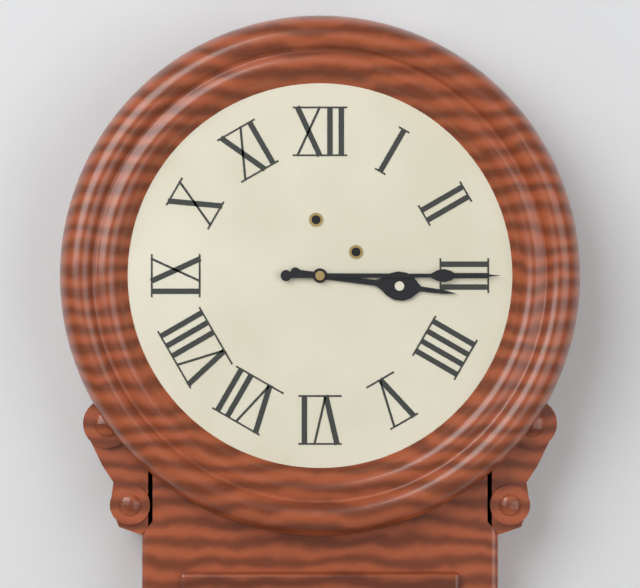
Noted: **3:15**
